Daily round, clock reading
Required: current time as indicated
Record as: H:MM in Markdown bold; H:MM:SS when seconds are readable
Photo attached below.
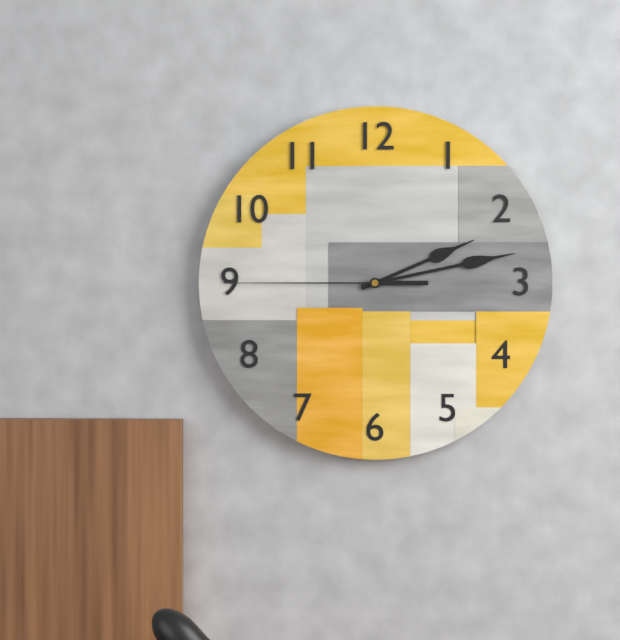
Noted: **2:13:45**
